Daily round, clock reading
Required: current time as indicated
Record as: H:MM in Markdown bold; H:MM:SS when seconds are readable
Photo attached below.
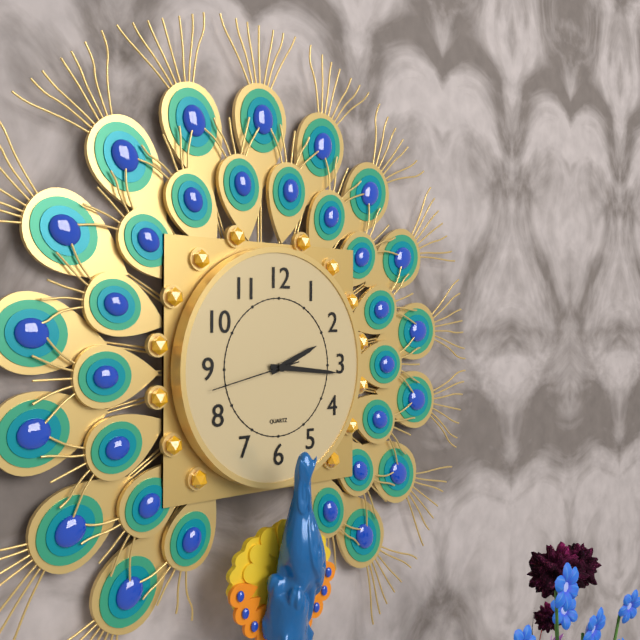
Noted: **2:16:43**
